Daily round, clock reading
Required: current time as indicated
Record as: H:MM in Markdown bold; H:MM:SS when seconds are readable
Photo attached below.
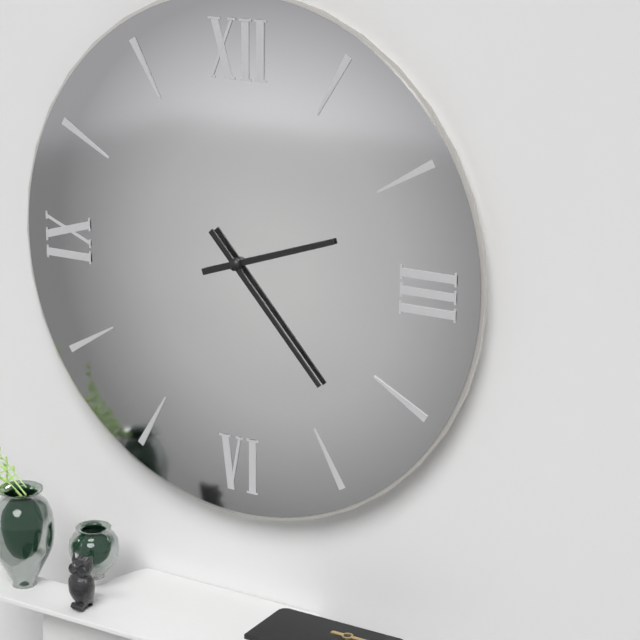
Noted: **2:23**
